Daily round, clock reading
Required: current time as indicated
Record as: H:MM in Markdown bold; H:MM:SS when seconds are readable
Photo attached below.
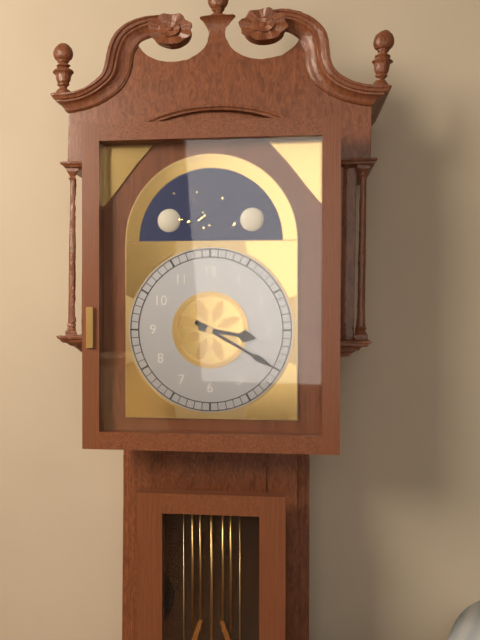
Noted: **3:20**
